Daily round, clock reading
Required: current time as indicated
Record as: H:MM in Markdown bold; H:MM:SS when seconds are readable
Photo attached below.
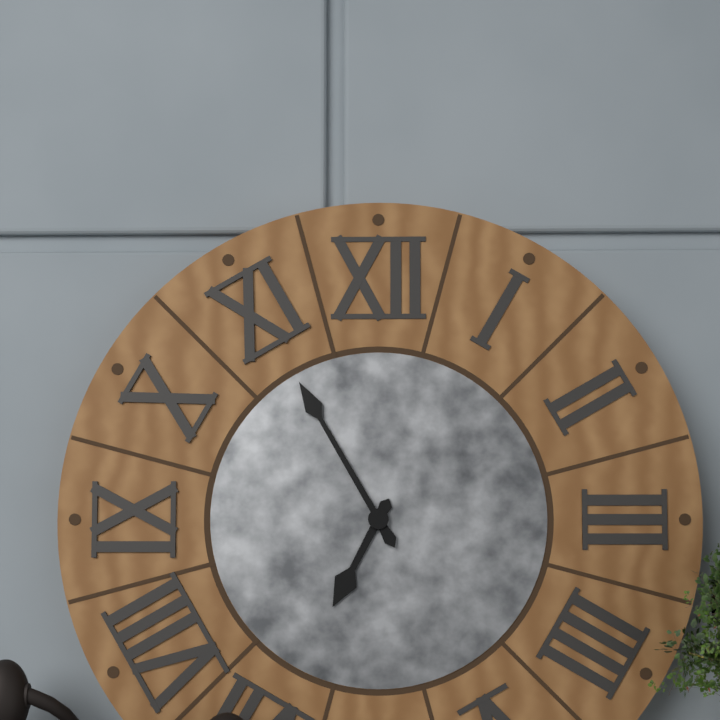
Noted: **6:55**
